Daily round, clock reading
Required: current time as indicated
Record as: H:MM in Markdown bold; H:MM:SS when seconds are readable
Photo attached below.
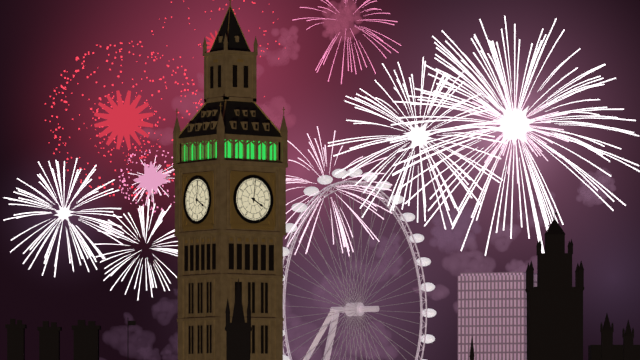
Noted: **4:01**
